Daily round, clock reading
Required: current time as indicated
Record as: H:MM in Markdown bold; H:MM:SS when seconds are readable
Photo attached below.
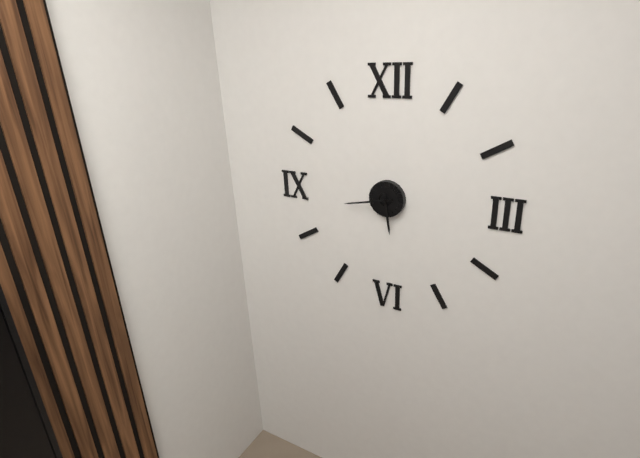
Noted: **5:43**
